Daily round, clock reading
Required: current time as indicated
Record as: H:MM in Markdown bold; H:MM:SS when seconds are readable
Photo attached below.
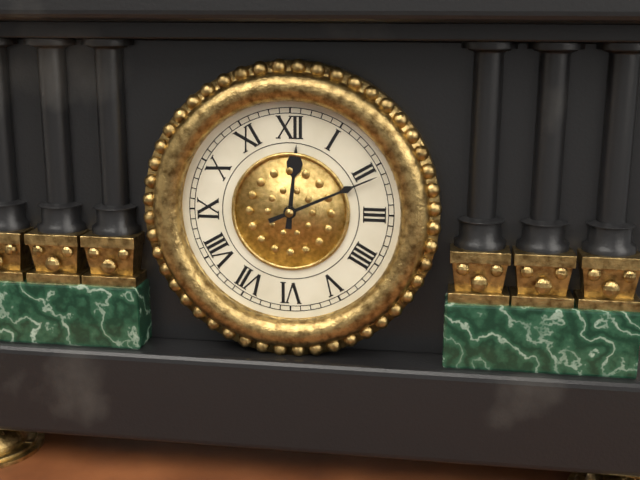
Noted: **12:11**
